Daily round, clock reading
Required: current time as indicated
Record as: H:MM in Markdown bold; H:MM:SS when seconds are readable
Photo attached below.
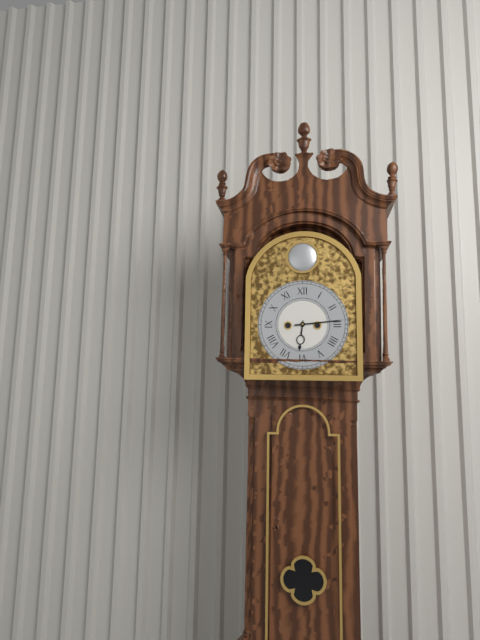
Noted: **6:14**
